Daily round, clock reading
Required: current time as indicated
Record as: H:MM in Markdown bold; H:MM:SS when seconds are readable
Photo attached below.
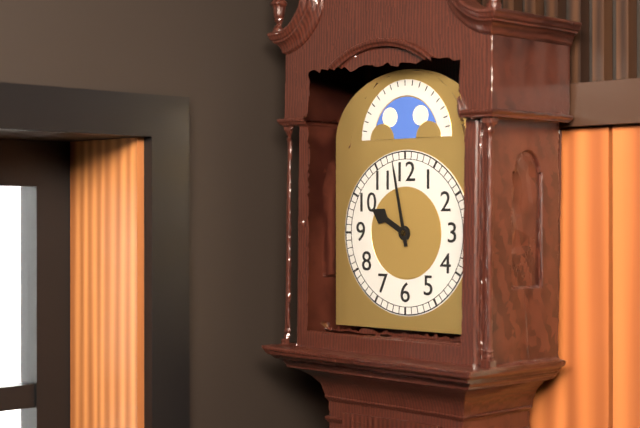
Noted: **9:58**
